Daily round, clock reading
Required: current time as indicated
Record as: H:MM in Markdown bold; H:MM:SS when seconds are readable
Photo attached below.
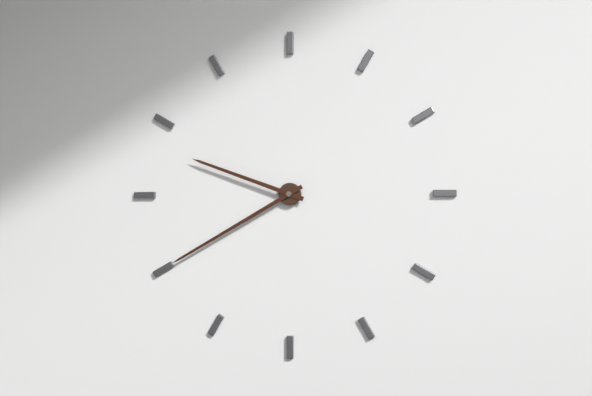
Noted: **9:40**
